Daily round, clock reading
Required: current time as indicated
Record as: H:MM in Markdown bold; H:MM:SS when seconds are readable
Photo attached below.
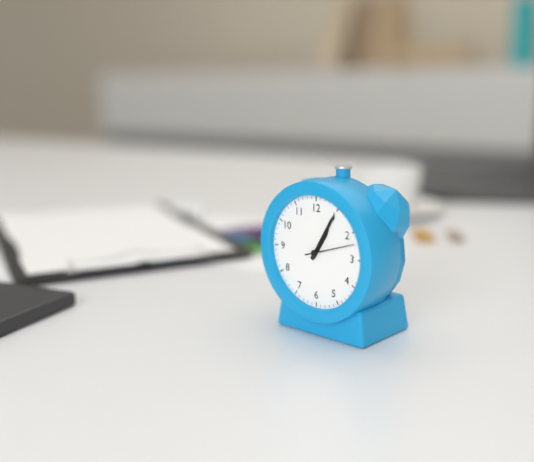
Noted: **1:05**
